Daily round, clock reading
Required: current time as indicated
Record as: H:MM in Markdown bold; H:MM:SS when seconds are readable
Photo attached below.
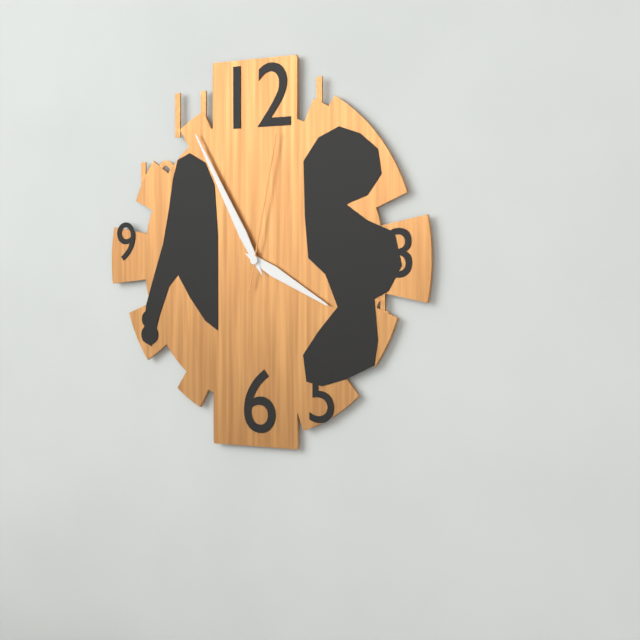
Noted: **3:55:02**
